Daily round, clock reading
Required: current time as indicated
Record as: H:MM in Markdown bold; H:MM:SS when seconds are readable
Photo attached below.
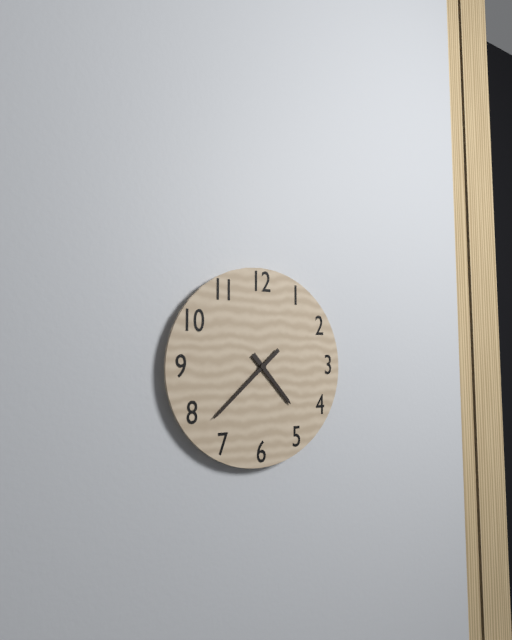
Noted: **4:38**
